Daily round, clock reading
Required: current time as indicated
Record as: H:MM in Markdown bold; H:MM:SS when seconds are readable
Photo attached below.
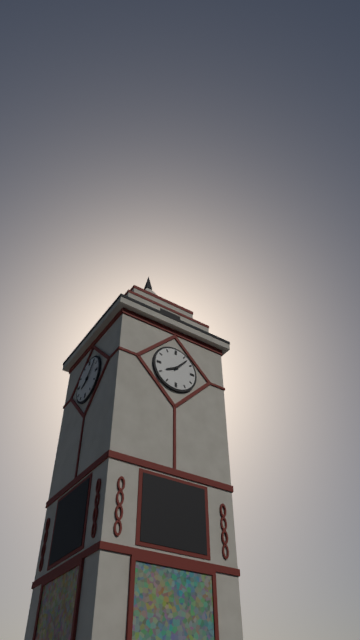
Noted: **8:07**
